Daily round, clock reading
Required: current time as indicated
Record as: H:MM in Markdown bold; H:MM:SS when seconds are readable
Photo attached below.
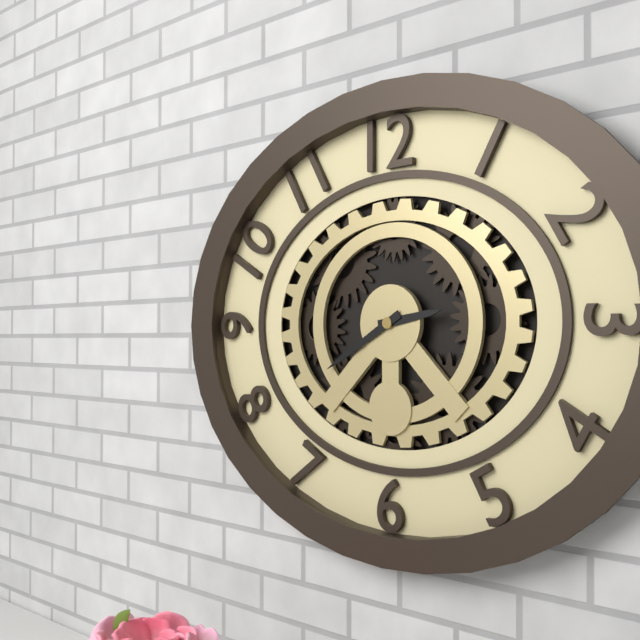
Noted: **2:40**
